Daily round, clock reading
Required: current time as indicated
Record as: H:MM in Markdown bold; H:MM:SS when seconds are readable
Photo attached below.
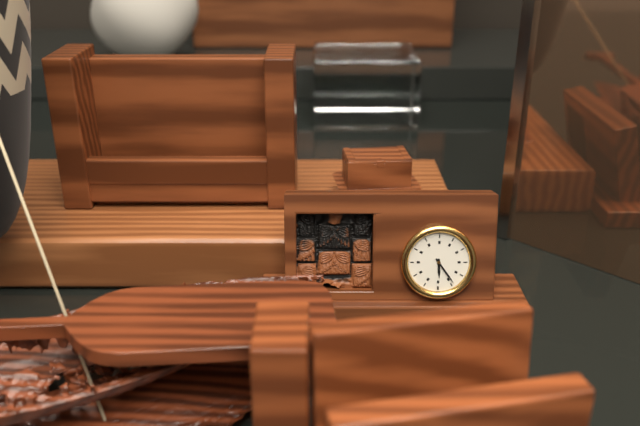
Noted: **11:54**
